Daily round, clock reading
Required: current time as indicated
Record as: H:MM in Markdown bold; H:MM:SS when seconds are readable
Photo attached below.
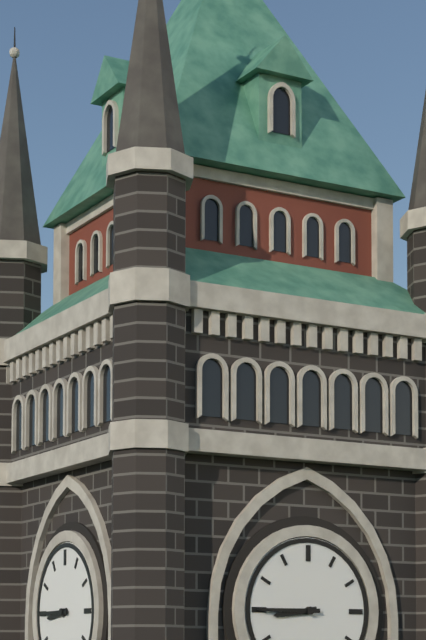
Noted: **8:45**
